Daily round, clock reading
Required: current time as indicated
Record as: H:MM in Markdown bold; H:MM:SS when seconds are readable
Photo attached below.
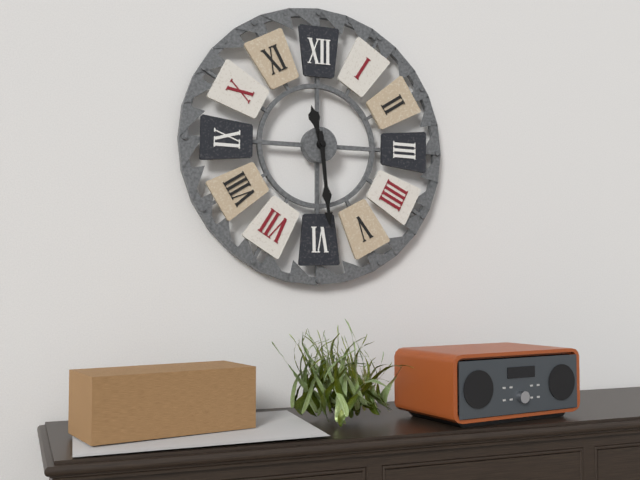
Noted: **11:29**
